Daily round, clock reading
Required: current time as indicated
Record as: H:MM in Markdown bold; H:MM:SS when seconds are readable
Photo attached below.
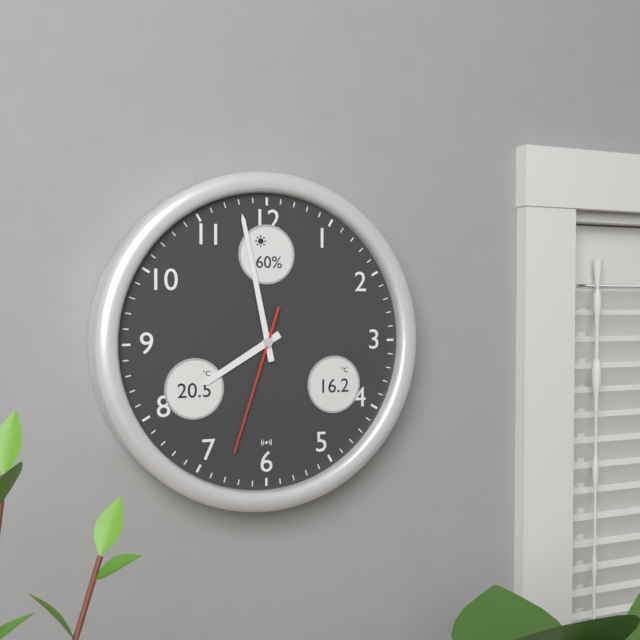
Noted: **7:58:33**
